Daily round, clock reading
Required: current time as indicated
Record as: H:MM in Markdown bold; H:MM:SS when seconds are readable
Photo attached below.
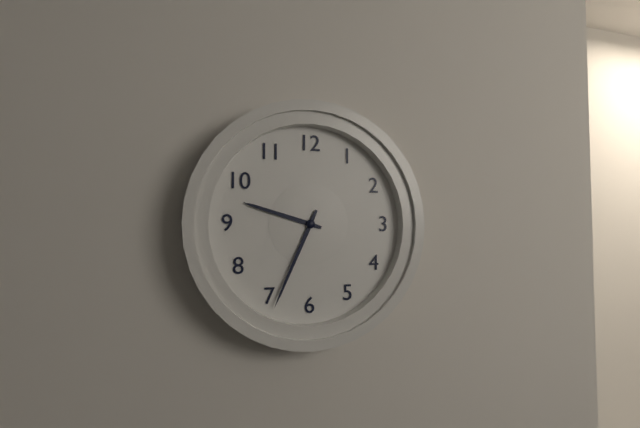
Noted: **9:34**
